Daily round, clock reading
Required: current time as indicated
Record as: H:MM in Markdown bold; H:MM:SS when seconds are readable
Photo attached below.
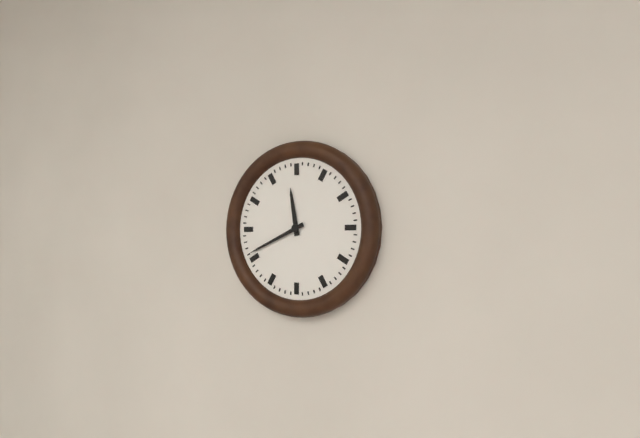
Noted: **11:41**
